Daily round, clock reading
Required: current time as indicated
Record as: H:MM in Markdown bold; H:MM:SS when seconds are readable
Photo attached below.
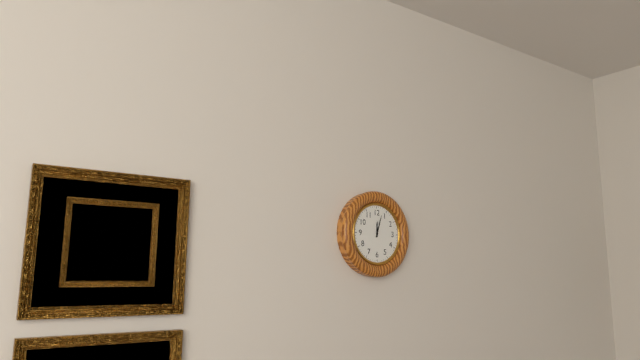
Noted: **12:03**
